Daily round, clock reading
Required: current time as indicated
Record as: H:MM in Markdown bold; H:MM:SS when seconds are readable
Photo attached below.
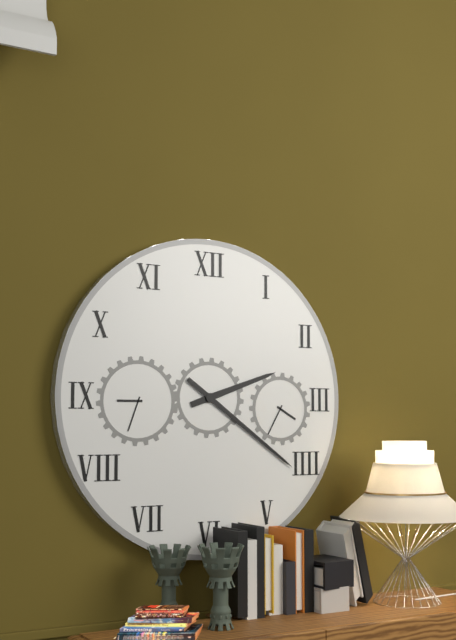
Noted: **2:21**
